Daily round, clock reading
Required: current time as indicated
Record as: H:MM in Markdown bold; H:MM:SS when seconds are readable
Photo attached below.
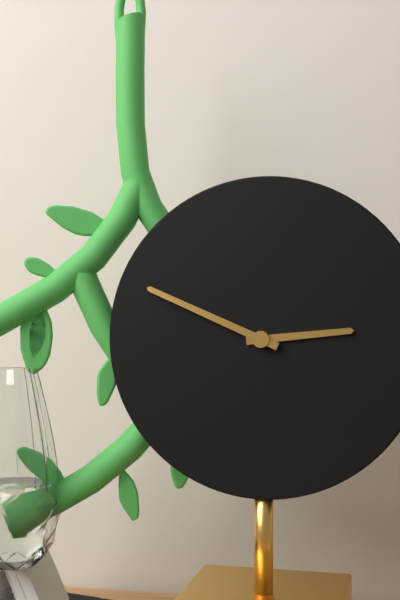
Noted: **2:49**
